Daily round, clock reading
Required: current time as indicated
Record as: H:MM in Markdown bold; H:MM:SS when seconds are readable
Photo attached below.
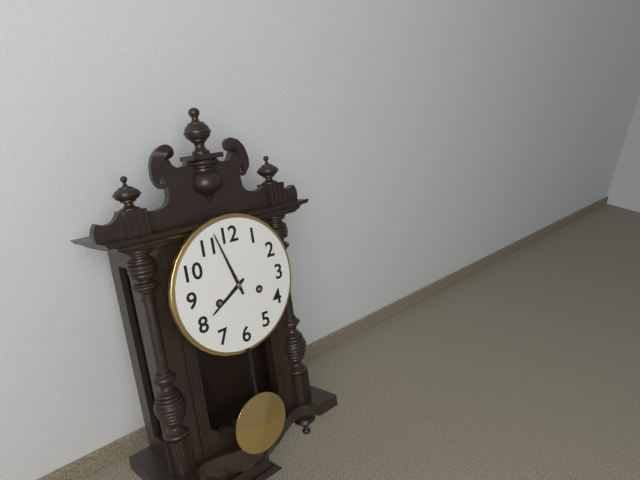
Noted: **7:57**
